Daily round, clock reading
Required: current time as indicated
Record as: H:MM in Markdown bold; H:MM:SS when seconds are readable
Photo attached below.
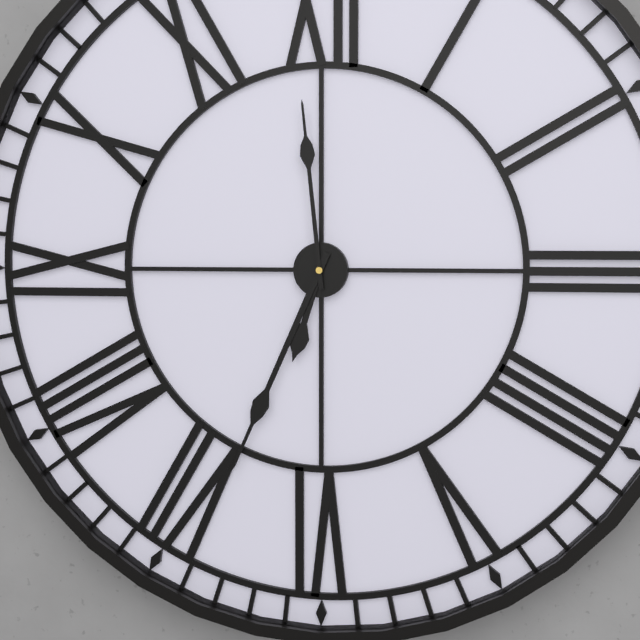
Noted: **6:34:59**
